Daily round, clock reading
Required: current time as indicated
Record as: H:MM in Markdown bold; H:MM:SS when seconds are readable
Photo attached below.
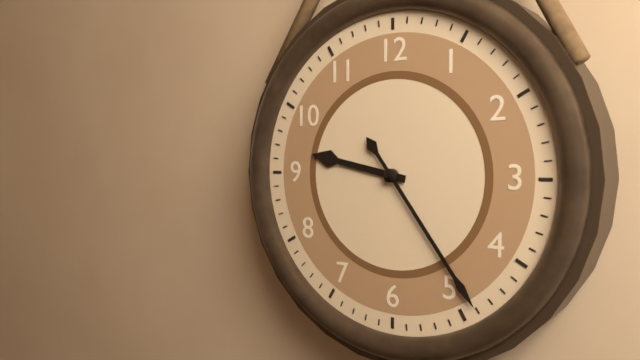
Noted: **9:24**
